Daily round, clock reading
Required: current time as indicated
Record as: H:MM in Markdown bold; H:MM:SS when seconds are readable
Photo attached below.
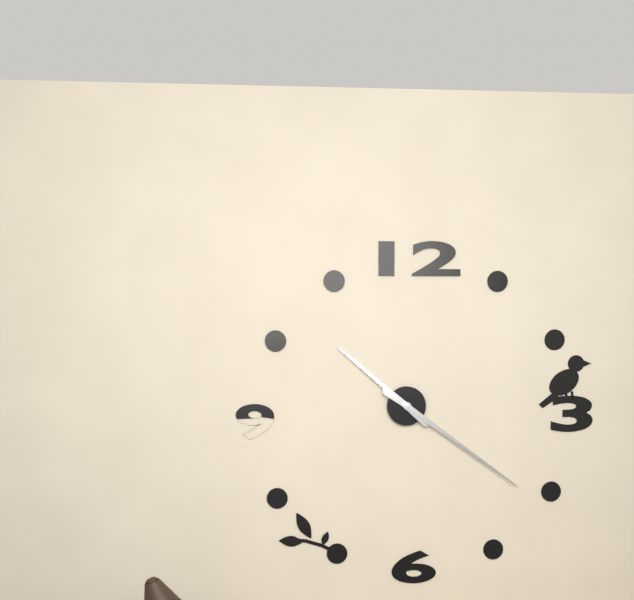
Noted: **10:21**
